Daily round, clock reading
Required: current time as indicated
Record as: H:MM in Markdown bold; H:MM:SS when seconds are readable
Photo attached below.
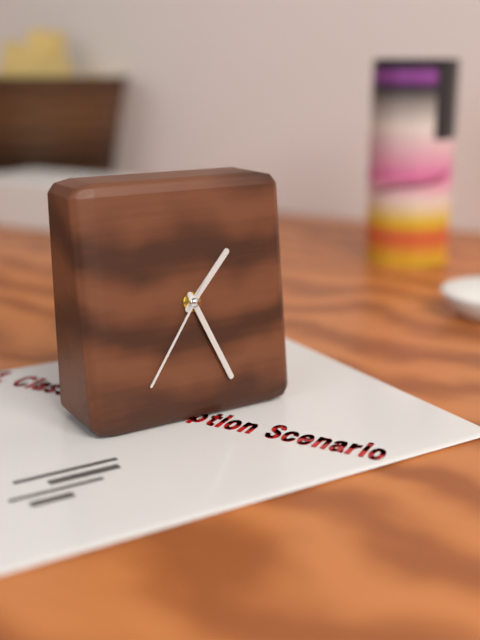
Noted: **1:26:36**
